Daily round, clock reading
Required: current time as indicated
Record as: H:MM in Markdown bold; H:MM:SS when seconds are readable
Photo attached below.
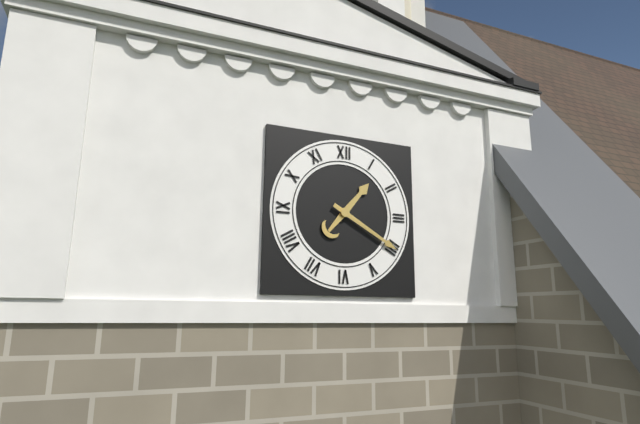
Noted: **1:20**
